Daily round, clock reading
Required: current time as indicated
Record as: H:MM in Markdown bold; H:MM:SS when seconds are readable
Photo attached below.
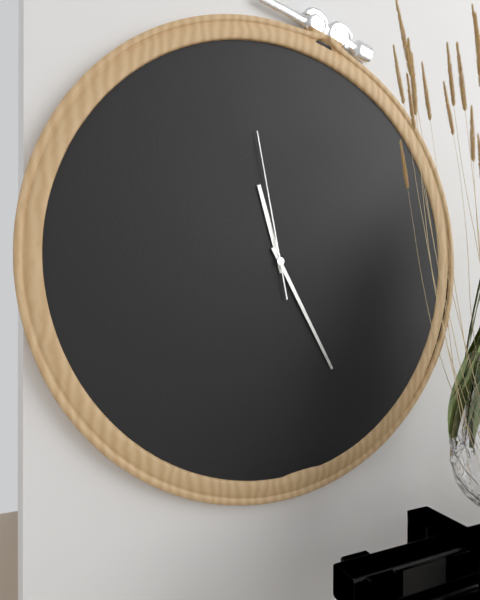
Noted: **11:25:58**
